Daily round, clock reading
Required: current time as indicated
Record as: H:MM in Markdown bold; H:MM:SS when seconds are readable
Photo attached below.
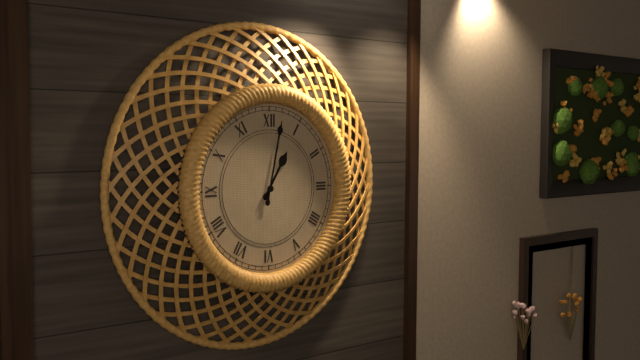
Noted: **1:02**
